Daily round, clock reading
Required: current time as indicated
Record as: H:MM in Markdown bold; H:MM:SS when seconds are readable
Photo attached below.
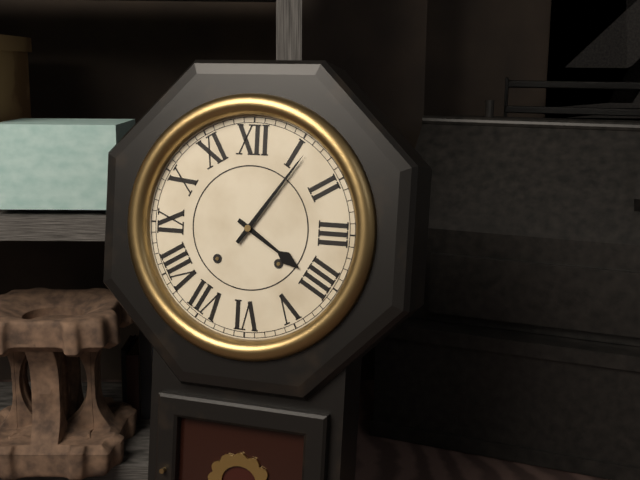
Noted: **4:06**
